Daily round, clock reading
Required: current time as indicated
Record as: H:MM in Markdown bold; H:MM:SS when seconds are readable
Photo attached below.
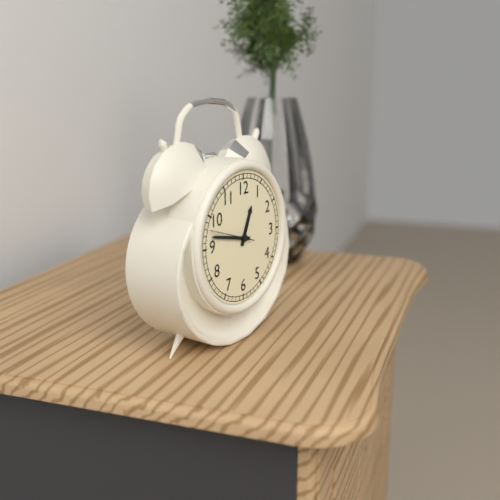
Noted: **12:47**
